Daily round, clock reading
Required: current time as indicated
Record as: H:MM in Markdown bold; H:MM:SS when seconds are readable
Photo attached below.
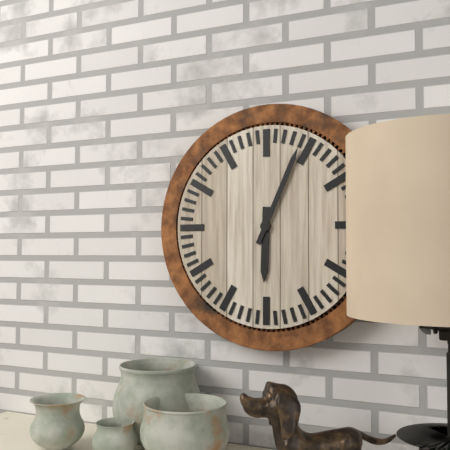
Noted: **6:04**
